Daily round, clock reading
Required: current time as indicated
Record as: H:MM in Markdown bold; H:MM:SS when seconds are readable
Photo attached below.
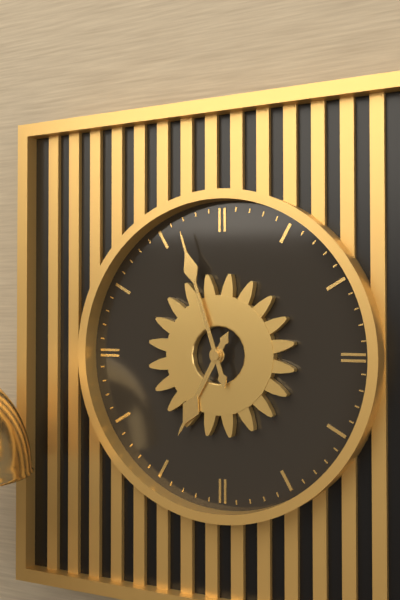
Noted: **6:57**
